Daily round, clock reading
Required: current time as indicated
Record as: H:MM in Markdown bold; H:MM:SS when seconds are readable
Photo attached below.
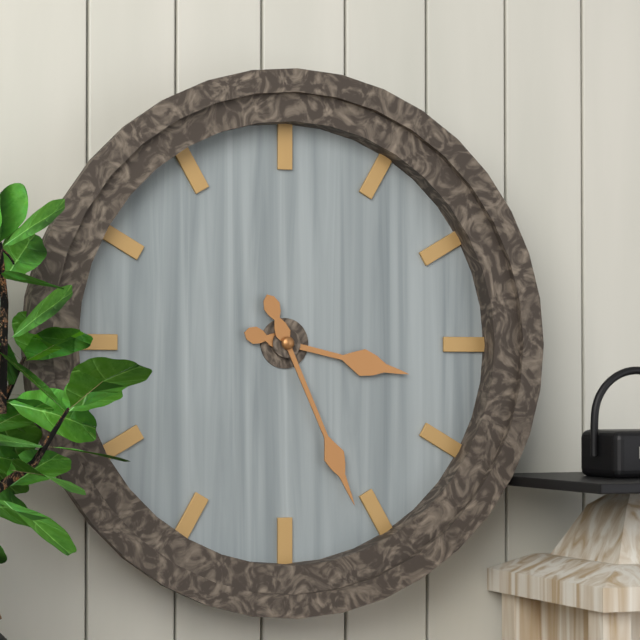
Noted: **3:26**
